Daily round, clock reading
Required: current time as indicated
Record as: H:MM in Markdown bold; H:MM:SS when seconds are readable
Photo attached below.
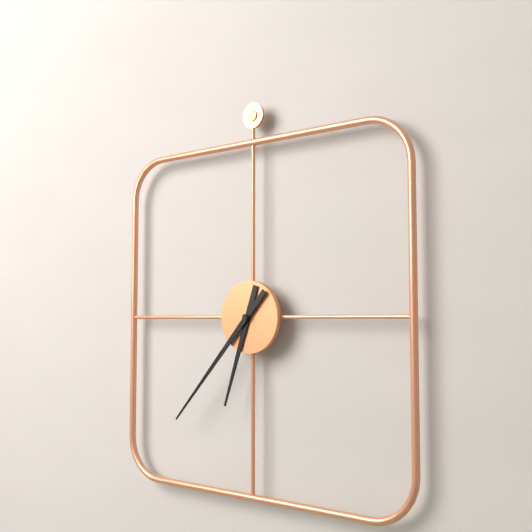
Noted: **6:37**
